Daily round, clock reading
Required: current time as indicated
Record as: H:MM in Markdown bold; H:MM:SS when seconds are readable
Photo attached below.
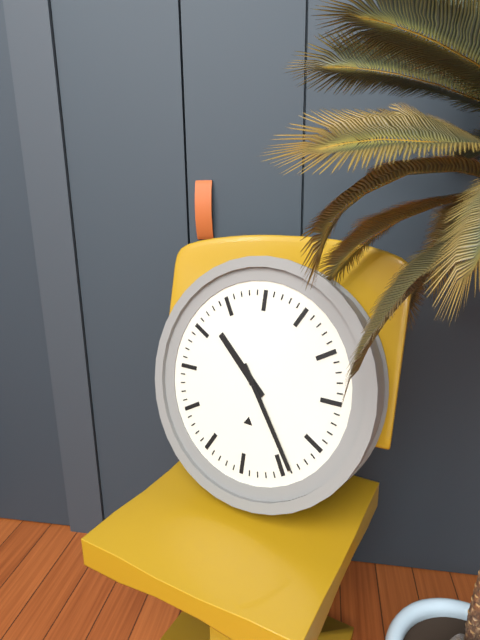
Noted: **10:24**
